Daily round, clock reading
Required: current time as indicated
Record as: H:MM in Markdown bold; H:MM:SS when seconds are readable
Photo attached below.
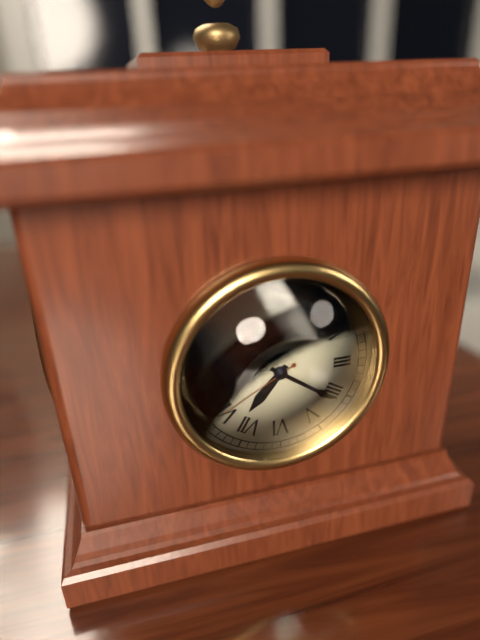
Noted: **7:21:40**
